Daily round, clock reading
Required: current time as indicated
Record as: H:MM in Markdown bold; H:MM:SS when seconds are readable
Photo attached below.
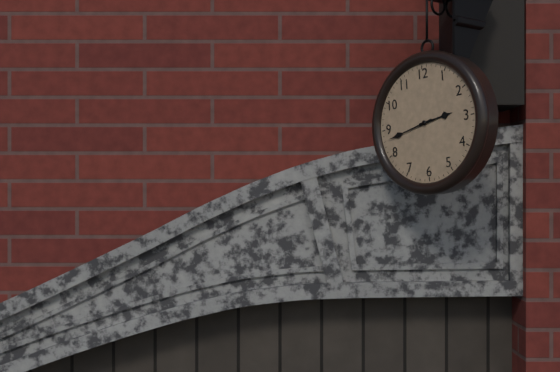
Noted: **2:43**
